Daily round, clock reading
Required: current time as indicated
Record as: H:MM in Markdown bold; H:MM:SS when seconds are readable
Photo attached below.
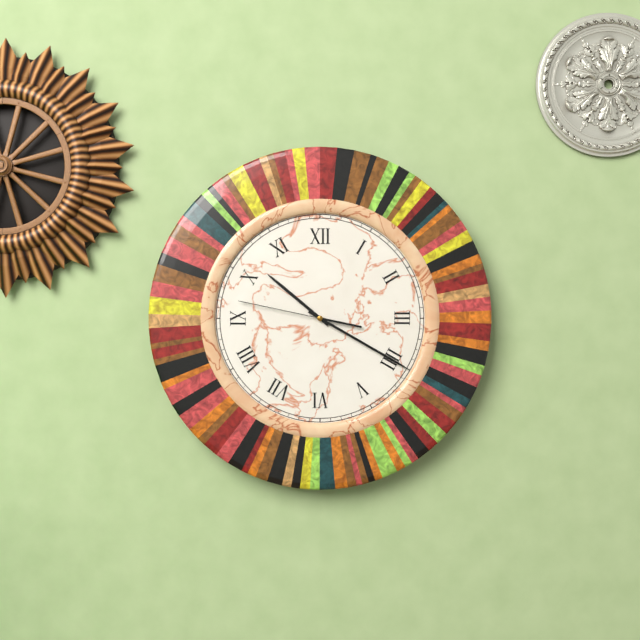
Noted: **10:20:47**
